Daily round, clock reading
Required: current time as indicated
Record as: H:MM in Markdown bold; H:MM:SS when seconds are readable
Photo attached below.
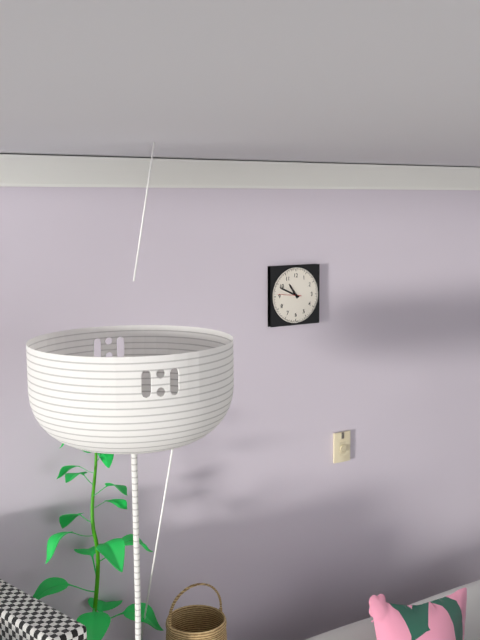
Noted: **10:49**
